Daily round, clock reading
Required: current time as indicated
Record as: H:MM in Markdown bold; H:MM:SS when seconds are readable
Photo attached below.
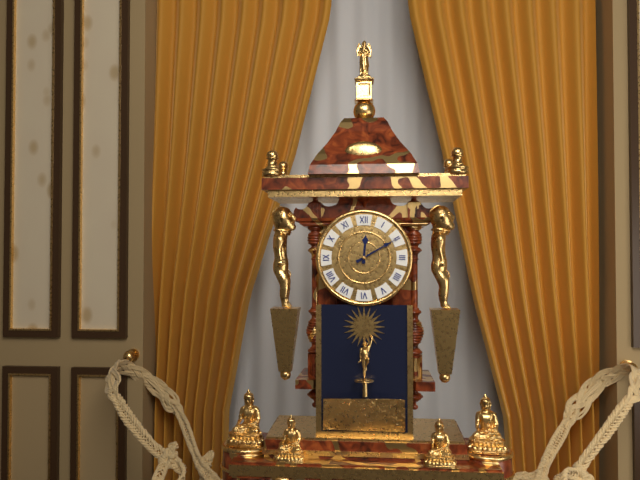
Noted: **12:10**
